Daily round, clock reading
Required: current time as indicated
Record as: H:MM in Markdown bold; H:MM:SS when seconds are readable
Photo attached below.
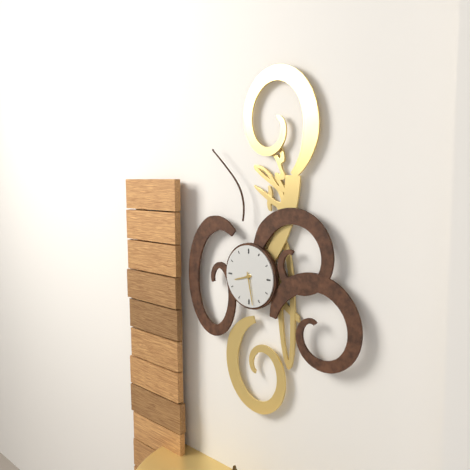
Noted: **8:28**
